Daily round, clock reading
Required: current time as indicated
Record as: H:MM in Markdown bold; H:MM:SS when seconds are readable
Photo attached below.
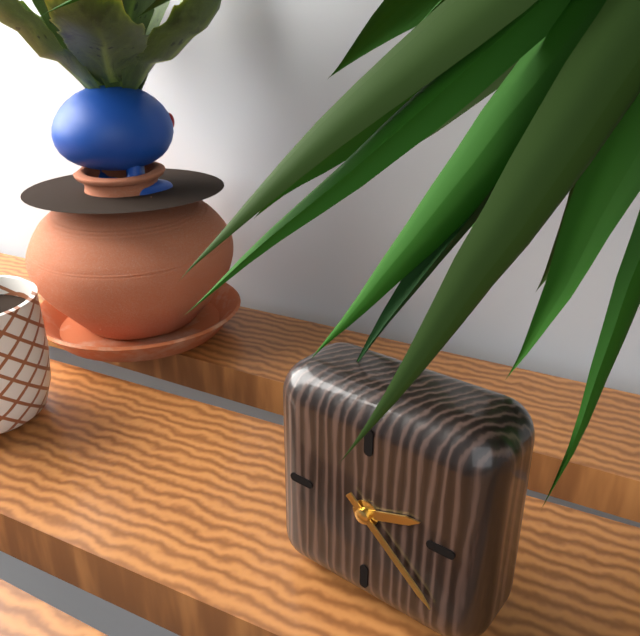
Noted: **2:22**
